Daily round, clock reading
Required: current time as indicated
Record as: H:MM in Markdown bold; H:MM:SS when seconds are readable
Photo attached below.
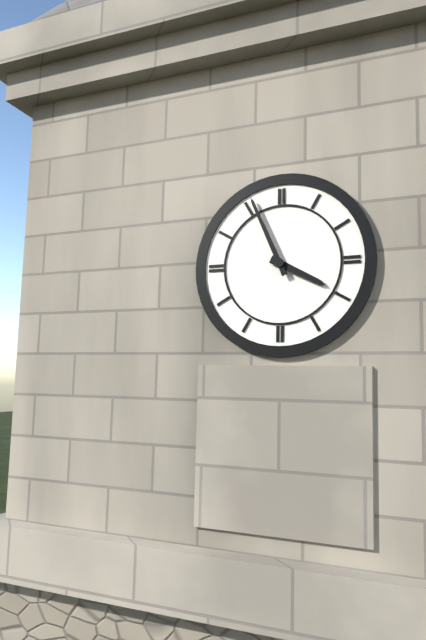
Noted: **3:56**
